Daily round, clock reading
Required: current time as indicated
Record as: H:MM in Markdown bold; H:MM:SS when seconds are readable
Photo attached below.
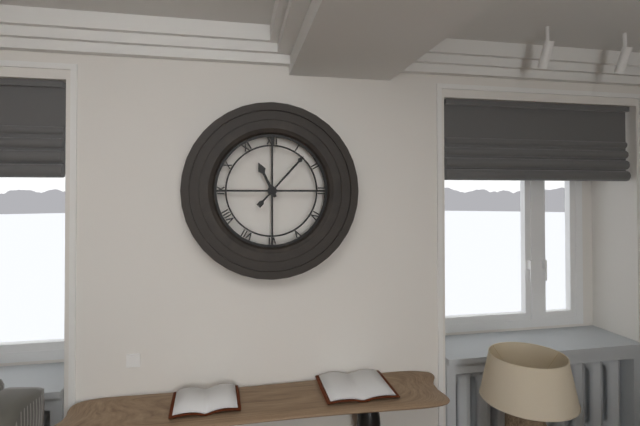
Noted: **11:07**
